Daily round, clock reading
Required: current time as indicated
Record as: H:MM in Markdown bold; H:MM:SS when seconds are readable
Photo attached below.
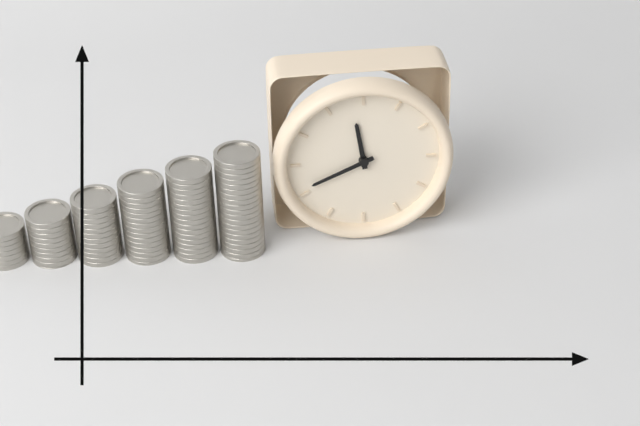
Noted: **11:41**
